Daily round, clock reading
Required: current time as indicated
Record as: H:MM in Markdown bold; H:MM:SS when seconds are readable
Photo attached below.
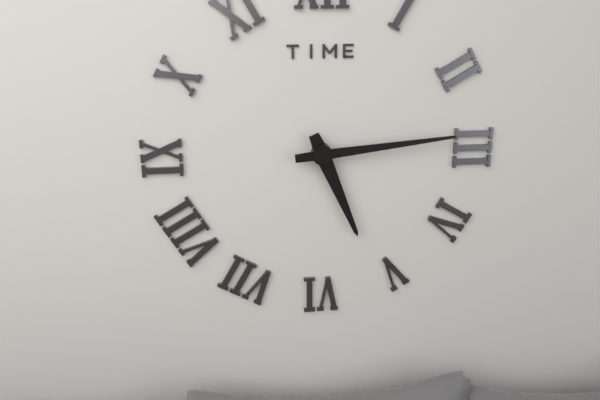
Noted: **5:14**
